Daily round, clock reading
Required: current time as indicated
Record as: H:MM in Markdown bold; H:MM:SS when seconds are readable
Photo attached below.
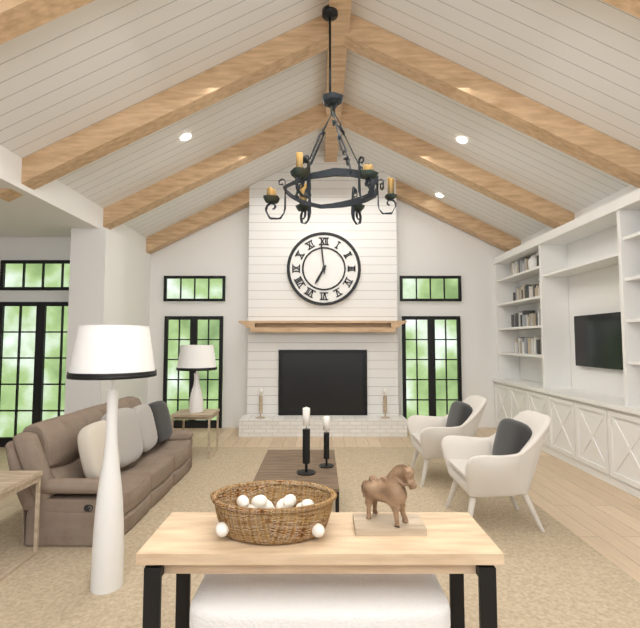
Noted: **6:59**
